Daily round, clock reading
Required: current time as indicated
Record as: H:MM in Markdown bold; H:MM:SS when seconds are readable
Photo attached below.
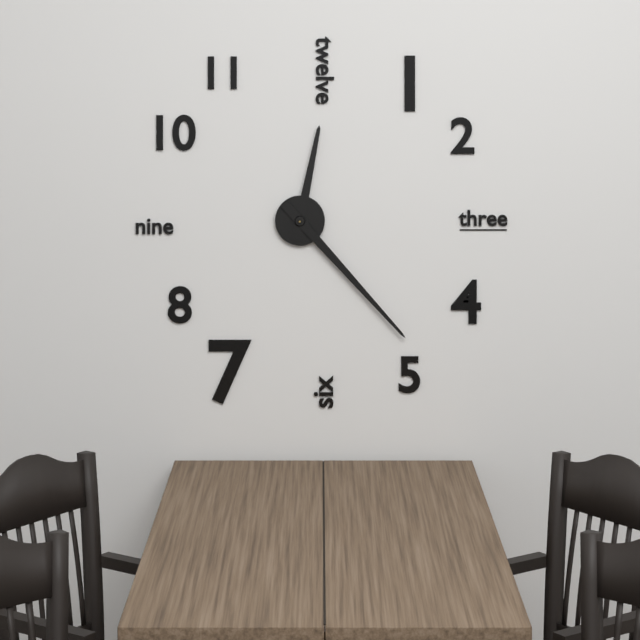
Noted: **12:23**
